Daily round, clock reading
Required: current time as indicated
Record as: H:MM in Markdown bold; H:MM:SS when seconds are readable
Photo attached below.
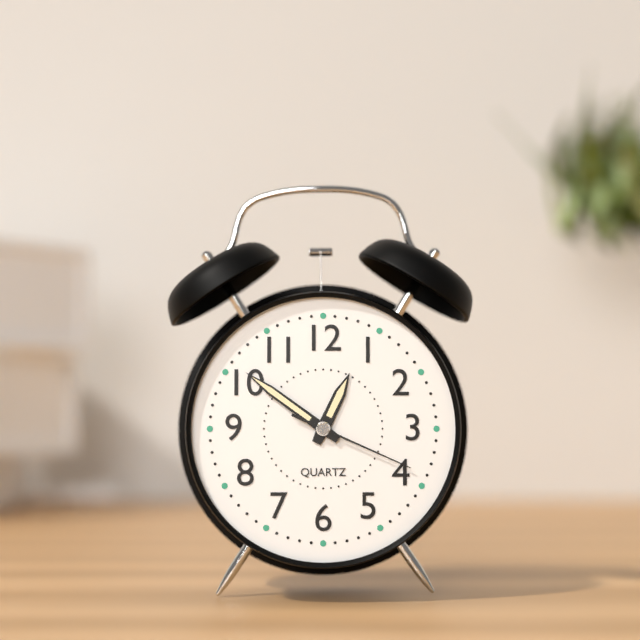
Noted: **12:51:19**
